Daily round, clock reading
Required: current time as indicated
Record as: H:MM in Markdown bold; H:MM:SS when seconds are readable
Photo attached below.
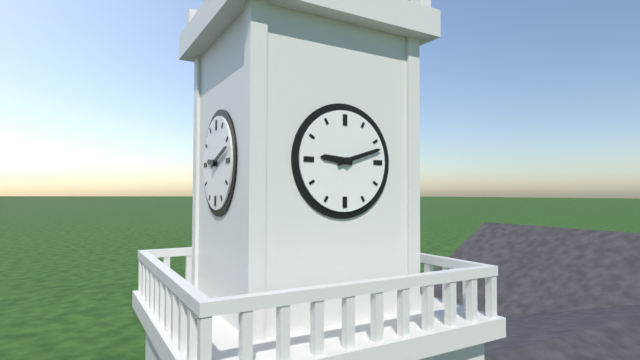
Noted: **9:12**
